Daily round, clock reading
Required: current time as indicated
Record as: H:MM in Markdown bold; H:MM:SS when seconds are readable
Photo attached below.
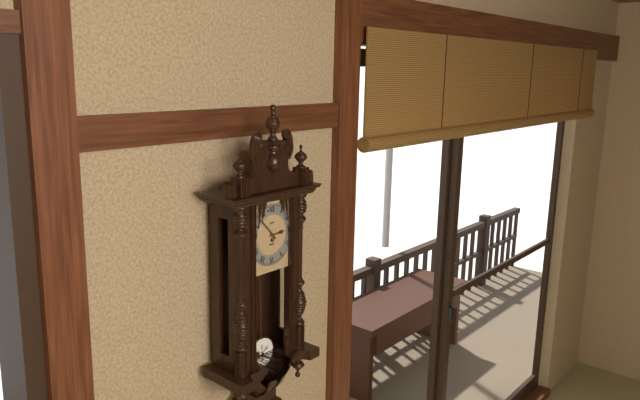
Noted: **2:53**
